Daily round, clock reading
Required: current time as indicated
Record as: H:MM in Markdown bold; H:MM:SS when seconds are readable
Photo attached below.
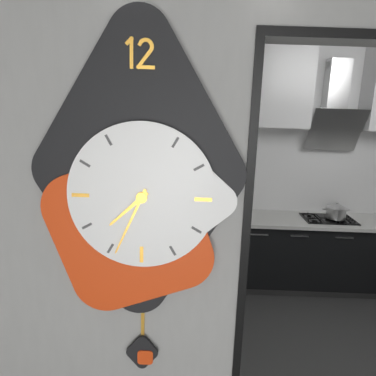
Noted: **7:34**
